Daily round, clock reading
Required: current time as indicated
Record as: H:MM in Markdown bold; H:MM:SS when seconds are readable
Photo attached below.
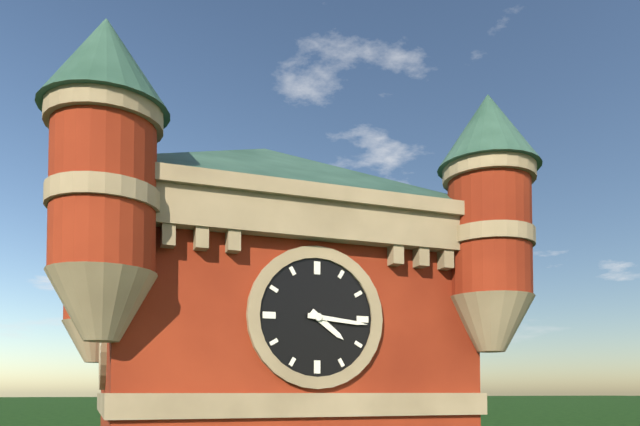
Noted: **4:16**
